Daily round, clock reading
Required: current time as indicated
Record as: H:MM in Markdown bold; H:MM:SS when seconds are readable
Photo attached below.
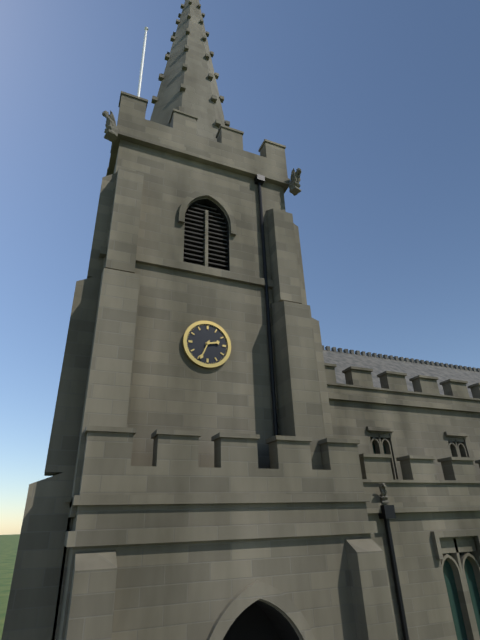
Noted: **2:34**
